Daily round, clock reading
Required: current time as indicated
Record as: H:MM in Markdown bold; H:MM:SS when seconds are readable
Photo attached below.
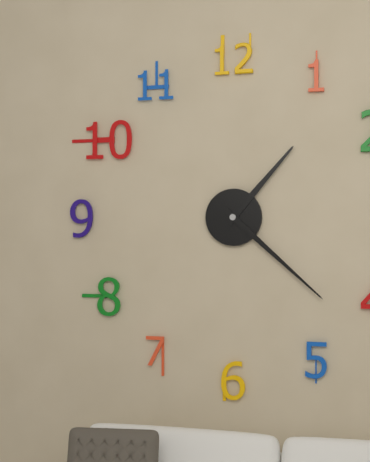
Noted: **1:22**
